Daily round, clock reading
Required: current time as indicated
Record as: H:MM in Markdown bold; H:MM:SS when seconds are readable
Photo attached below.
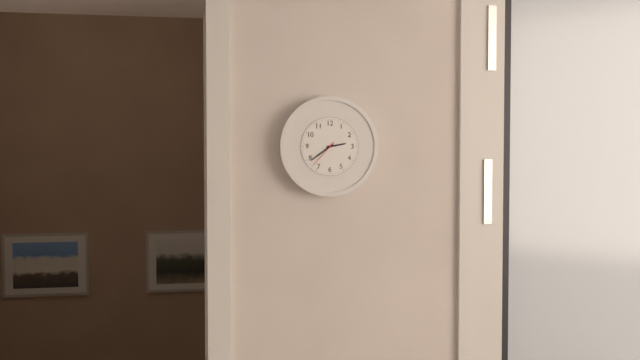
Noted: **2:39**
